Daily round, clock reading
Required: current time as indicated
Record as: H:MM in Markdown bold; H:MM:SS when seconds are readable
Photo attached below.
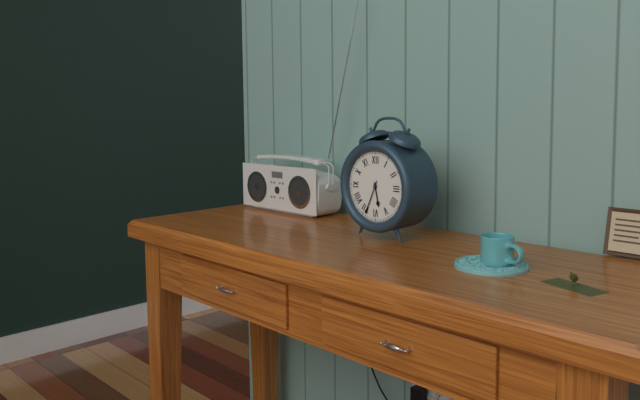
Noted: **5:34**
